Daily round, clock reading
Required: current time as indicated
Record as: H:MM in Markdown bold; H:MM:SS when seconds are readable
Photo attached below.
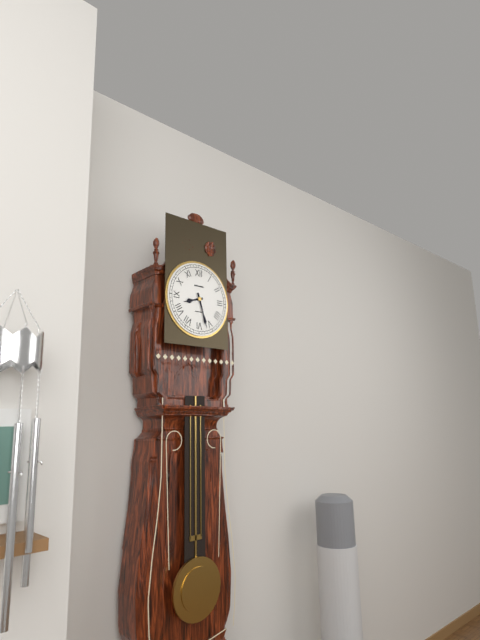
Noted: **8:27**
